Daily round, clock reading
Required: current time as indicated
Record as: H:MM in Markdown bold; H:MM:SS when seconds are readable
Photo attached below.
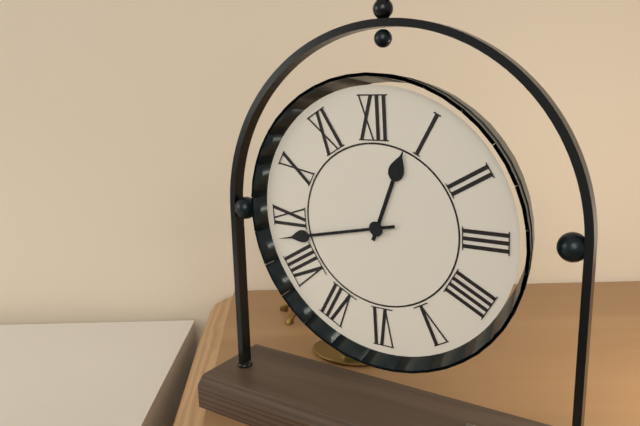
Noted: **12:43**
